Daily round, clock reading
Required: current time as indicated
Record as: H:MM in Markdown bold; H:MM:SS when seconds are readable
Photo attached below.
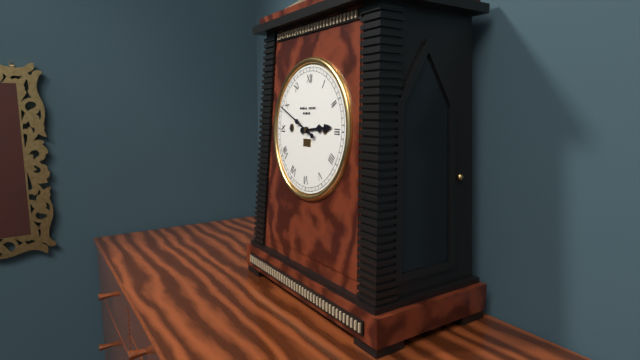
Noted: **2:49**
